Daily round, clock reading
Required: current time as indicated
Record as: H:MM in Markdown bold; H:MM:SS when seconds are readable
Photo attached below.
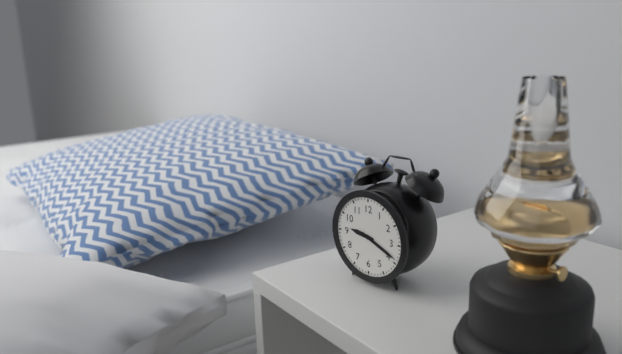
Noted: **9:19**
